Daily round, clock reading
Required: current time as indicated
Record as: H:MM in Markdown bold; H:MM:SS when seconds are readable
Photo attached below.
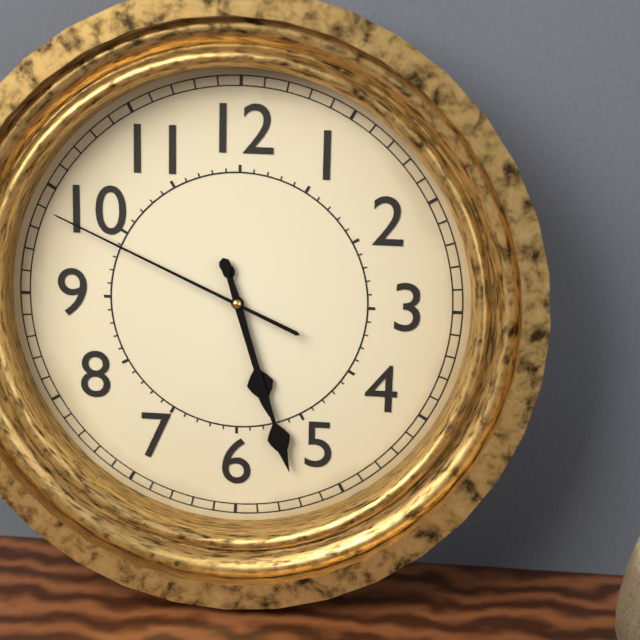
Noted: **5:27:49**
